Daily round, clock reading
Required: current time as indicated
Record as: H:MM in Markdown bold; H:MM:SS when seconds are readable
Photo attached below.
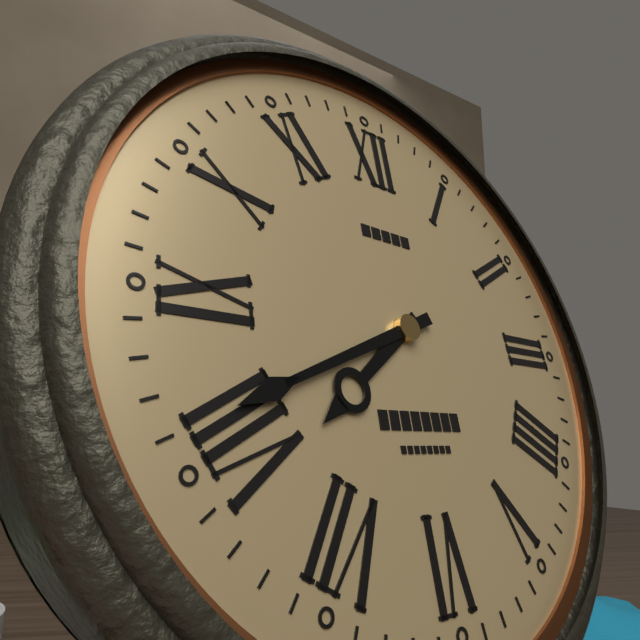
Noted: **7:41**
